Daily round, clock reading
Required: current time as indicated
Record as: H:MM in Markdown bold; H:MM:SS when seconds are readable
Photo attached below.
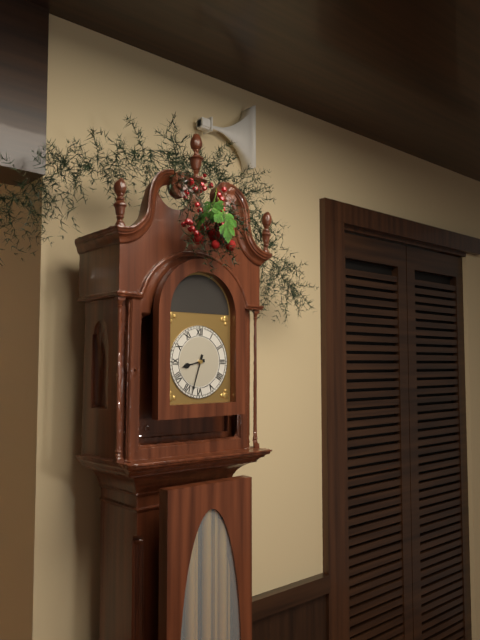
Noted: **8:33**
